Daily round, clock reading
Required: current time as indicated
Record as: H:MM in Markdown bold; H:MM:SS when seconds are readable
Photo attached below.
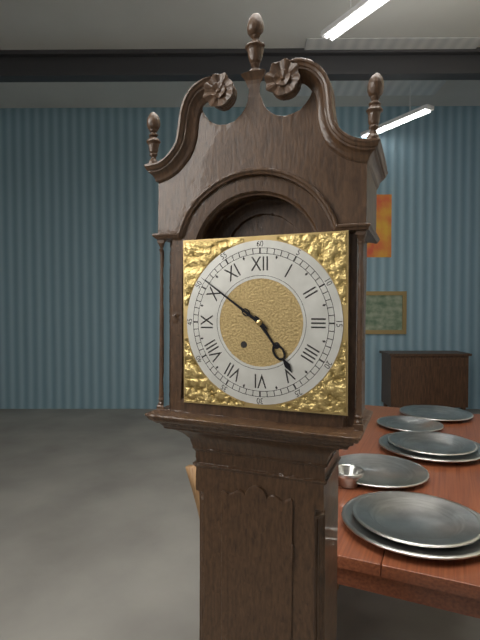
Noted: **4:51**
